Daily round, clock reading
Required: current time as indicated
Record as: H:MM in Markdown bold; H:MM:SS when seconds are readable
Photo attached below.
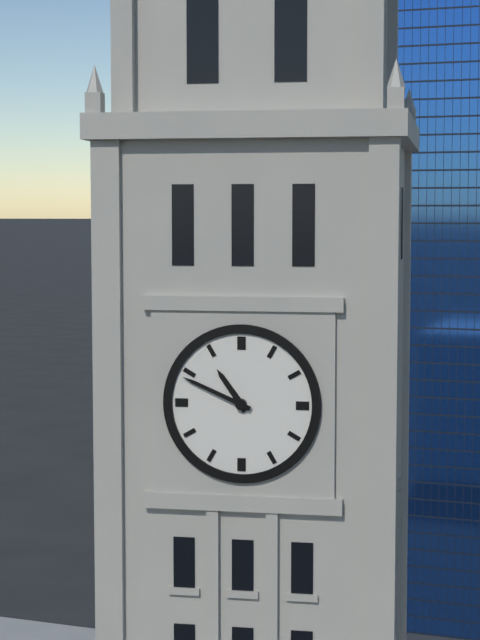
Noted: **10:49**
